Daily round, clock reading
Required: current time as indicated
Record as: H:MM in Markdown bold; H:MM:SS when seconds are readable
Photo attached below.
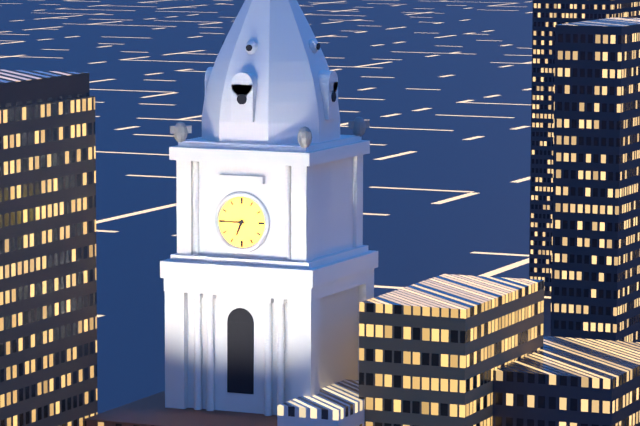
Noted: **6:45**
